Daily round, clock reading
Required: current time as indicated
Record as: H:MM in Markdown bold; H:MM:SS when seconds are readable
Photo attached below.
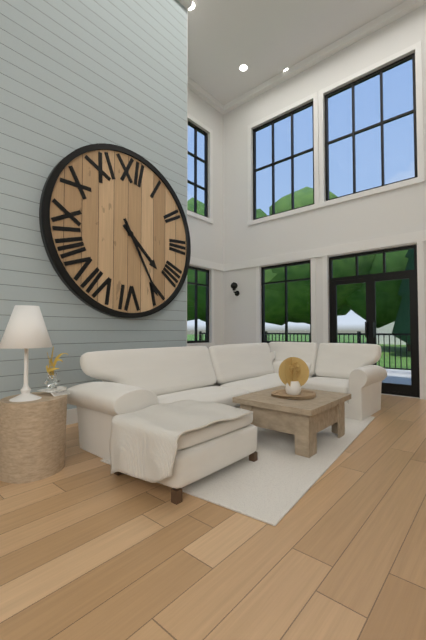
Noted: **4:25**
